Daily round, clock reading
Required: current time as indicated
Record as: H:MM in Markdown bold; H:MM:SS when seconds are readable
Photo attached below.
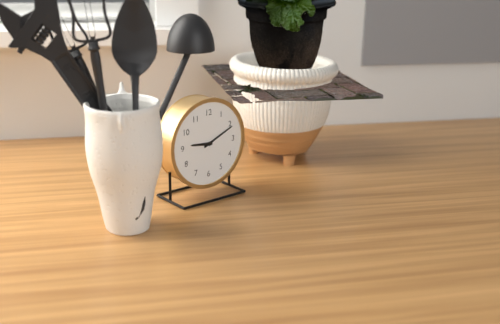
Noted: **9:11**
